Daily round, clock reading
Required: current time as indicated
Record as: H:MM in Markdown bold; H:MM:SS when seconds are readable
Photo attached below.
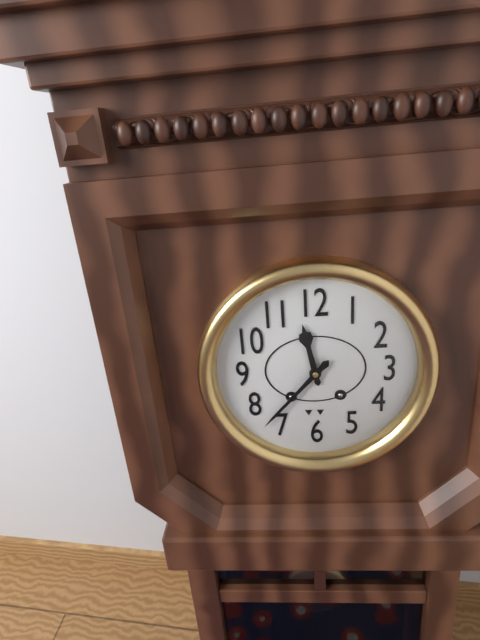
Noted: **11:37**
